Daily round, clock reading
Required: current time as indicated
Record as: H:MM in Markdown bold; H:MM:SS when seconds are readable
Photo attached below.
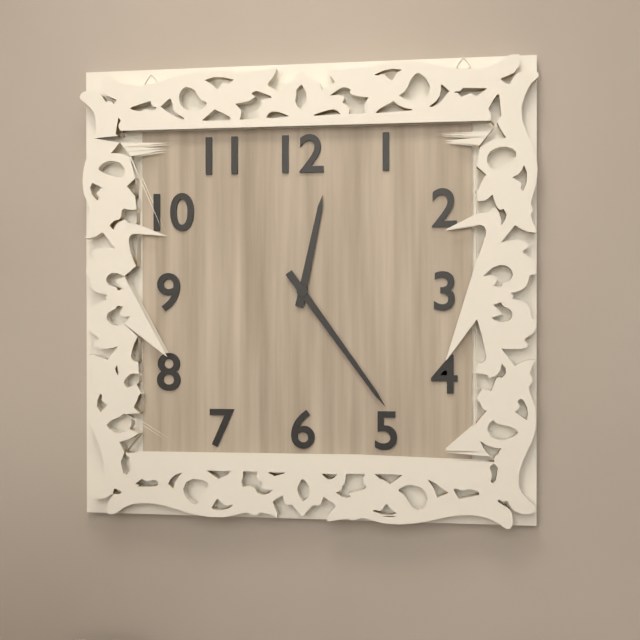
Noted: **12:24**
